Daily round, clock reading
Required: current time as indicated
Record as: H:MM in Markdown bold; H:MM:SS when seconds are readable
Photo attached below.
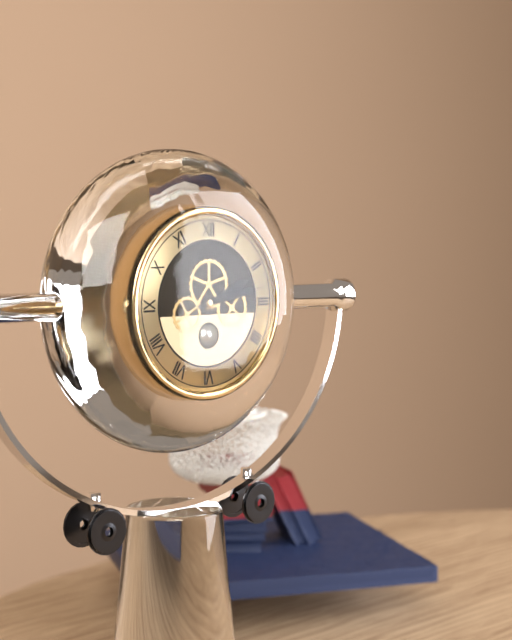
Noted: **2:13**
